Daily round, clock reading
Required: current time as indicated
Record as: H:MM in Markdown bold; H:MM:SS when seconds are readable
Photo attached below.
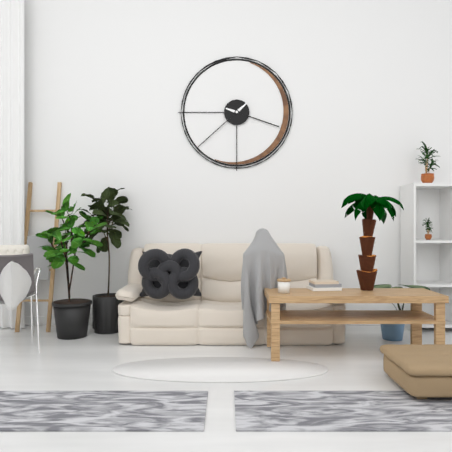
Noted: **3:38**
